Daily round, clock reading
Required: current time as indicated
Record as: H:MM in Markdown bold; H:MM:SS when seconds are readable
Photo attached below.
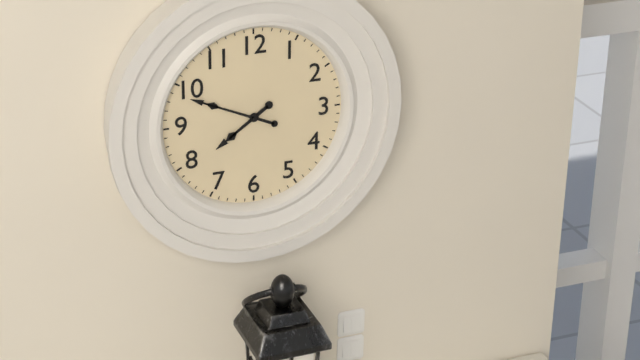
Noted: **7:49**
